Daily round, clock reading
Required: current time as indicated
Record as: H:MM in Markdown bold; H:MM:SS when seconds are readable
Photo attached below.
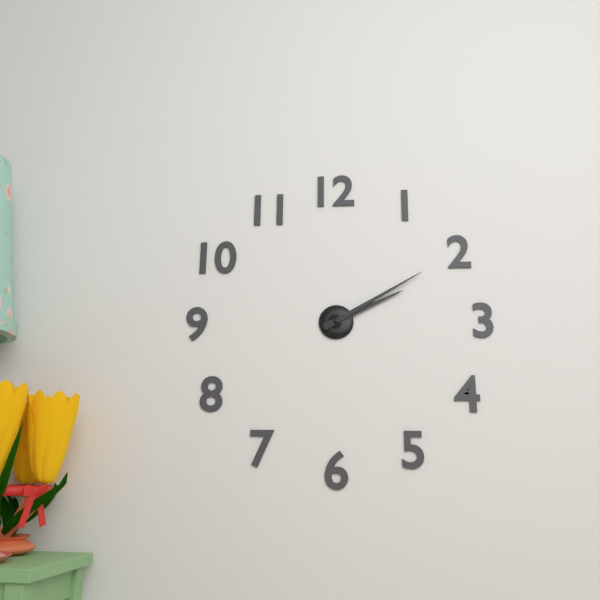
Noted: **2:10**
